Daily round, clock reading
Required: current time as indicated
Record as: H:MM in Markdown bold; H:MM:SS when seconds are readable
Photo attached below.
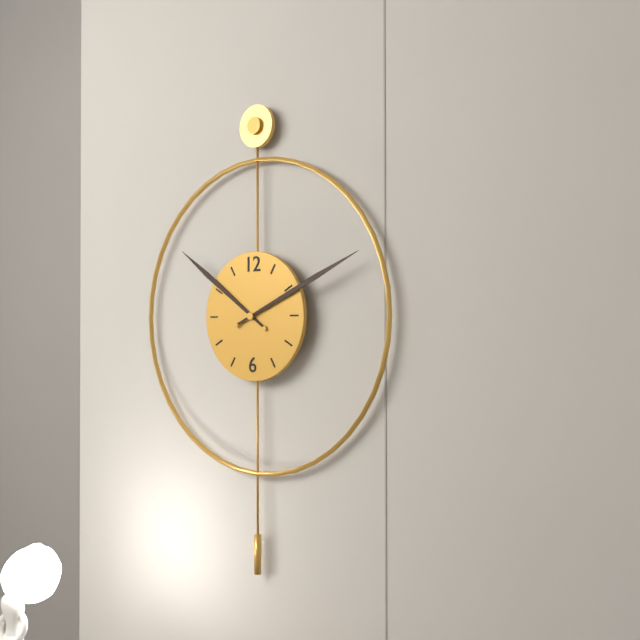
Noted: **10:11**
